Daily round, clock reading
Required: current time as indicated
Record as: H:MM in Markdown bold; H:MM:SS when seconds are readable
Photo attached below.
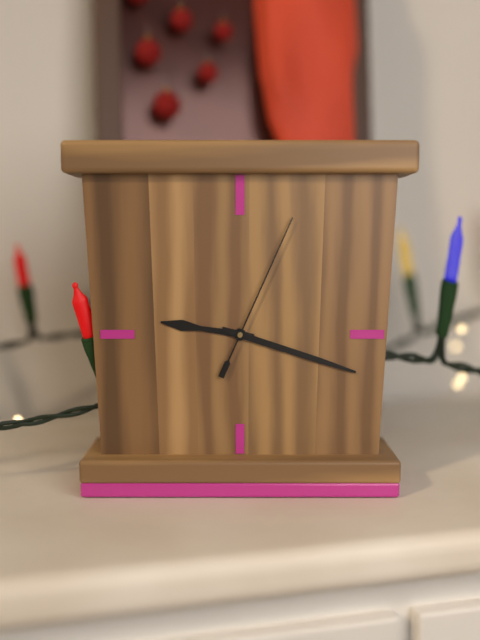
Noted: **9:18:04**
